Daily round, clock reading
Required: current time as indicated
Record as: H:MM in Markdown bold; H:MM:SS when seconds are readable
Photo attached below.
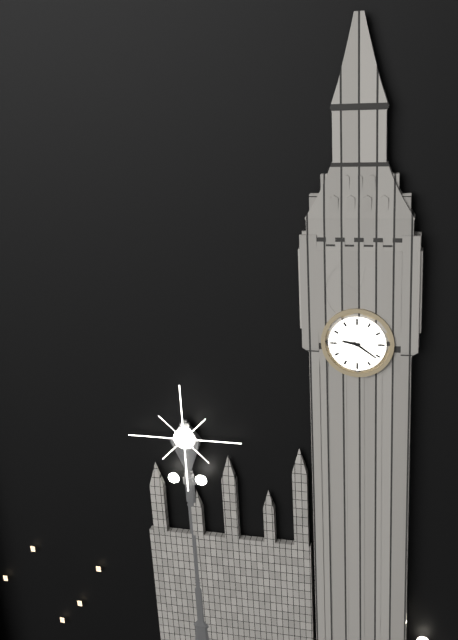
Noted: **9:21**
